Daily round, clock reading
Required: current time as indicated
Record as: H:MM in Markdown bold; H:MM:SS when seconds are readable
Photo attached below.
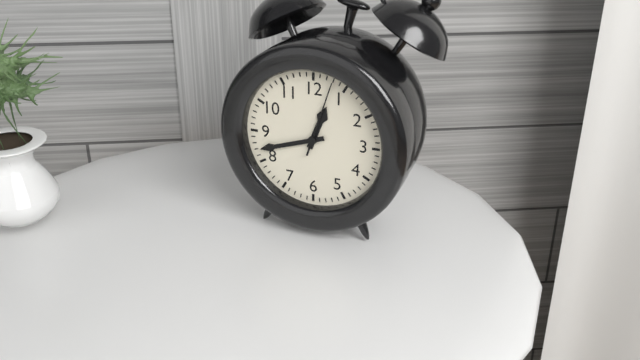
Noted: **12:42:03**
